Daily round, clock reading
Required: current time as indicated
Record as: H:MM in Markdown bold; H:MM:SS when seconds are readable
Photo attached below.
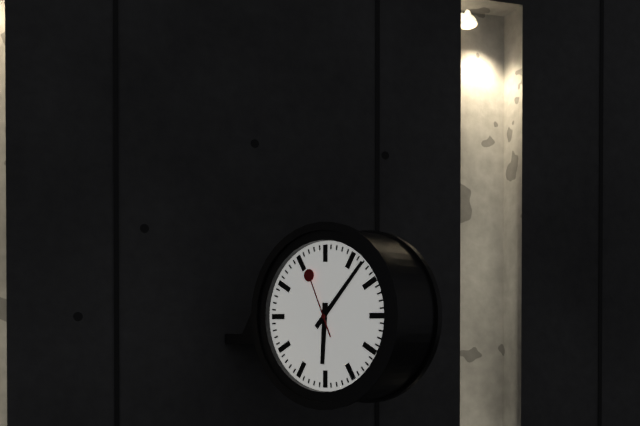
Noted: **6:07:56**
